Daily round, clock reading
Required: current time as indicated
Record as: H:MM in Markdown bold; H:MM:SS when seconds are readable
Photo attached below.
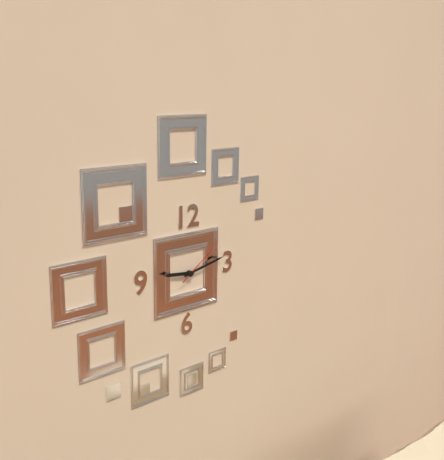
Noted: **9:13:09**
